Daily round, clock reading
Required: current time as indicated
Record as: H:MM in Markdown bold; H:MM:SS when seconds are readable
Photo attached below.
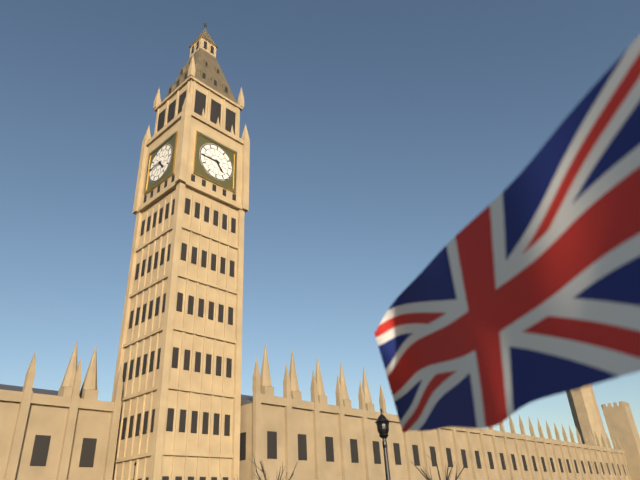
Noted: **4:45**
